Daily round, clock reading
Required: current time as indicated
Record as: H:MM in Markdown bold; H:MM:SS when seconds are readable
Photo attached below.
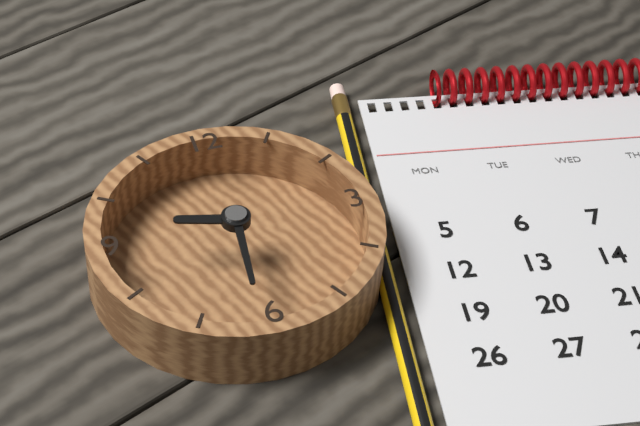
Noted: **9:31**
